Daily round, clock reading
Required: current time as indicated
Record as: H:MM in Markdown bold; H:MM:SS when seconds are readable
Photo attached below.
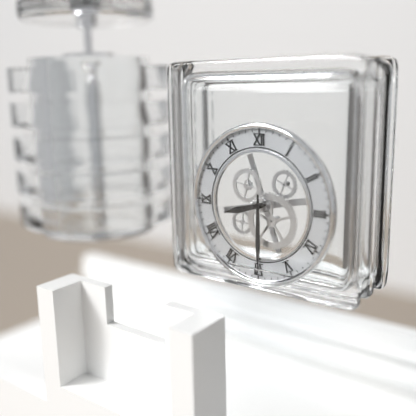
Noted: **8:30**
